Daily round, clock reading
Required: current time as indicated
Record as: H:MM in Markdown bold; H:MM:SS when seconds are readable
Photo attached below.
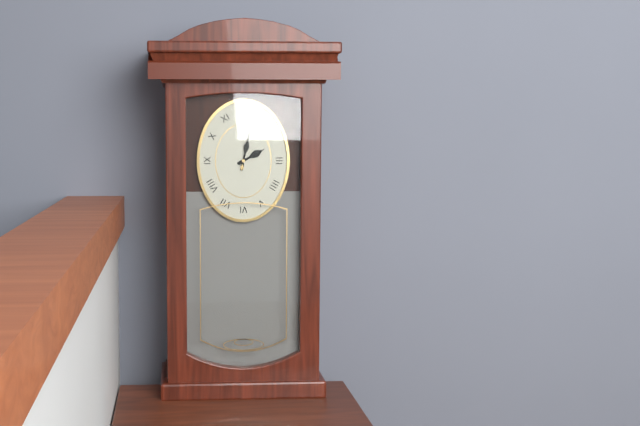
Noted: **2:02**
